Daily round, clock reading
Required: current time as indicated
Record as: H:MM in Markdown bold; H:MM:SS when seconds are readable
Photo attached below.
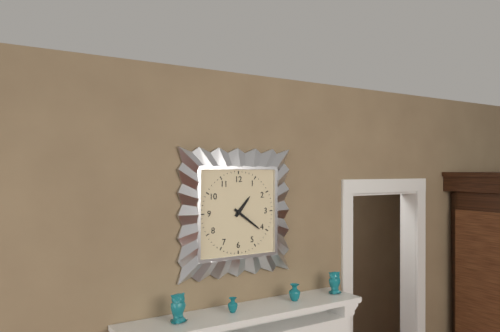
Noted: **1:21**
